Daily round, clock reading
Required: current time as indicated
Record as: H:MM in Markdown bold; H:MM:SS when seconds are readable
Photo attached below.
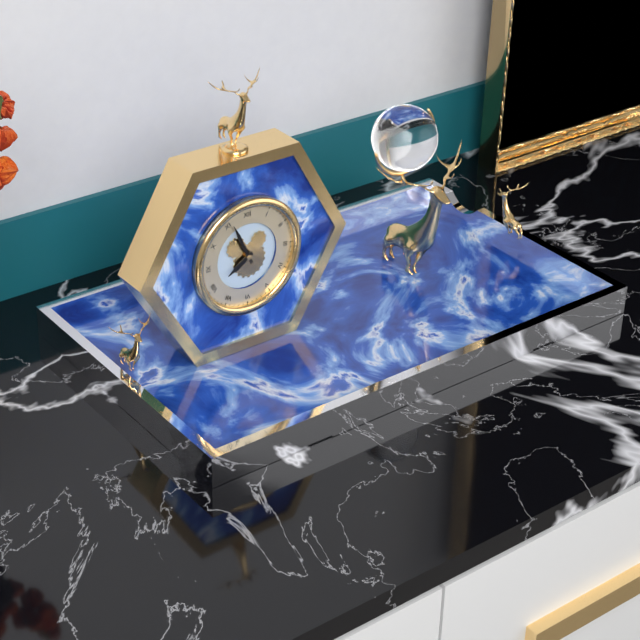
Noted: **7:56**
